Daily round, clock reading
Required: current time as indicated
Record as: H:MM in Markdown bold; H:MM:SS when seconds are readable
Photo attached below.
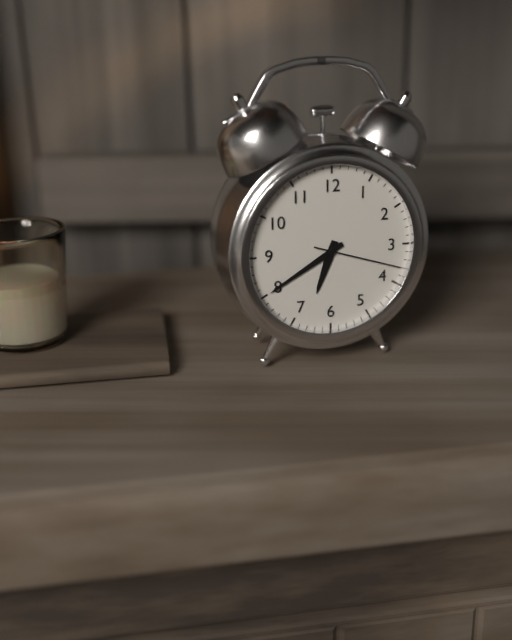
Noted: **6:40:18**
